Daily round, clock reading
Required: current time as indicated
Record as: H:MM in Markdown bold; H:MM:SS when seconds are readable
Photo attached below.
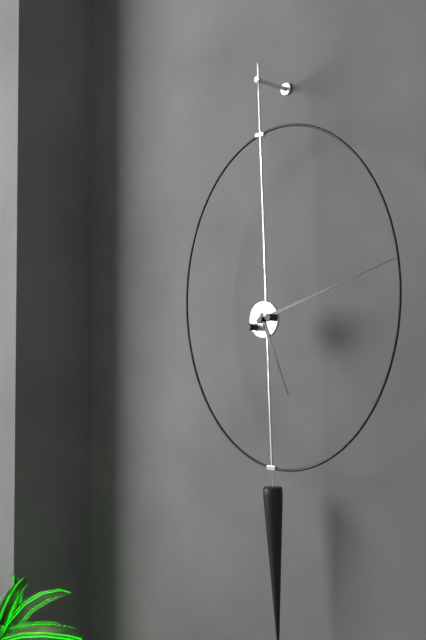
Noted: **5:12**
